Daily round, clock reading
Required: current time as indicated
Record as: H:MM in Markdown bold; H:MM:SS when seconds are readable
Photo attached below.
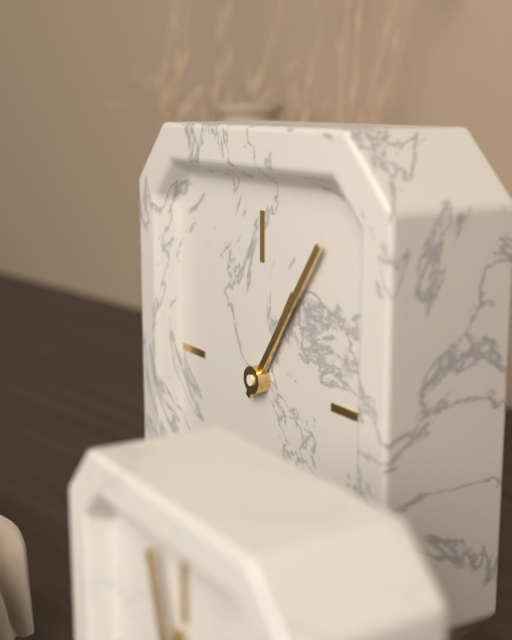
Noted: **1:06**
